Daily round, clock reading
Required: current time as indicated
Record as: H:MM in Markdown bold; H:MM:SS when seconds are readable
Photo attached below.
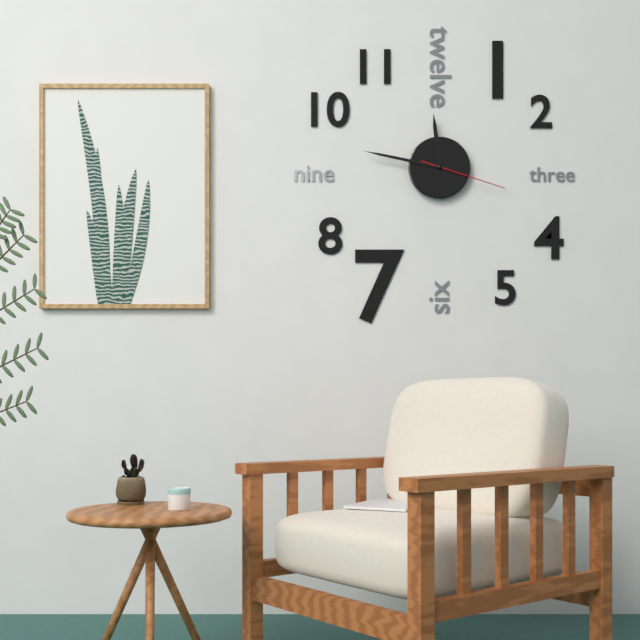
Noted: **11:47:18**
